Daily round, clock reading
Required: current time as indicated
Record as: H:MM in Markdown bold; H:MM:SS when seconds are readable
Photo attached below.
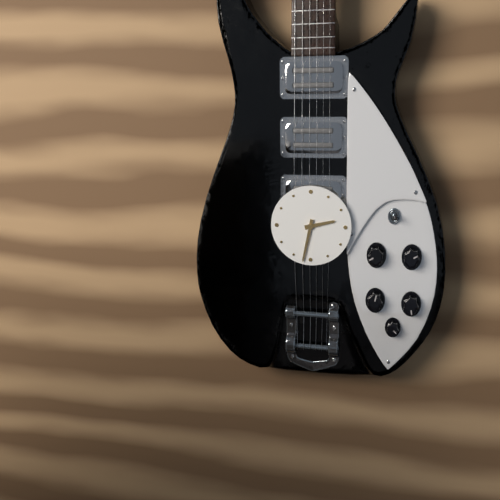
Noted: **2:32**
